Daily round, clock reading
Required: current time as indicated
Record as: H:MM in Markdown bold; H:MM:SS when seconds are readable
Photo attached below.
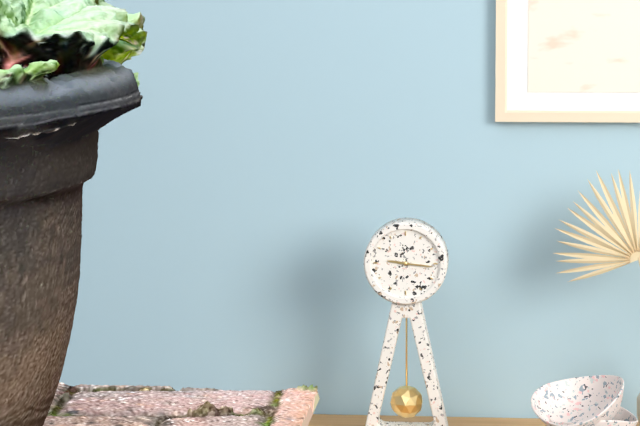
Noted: **9:16**
